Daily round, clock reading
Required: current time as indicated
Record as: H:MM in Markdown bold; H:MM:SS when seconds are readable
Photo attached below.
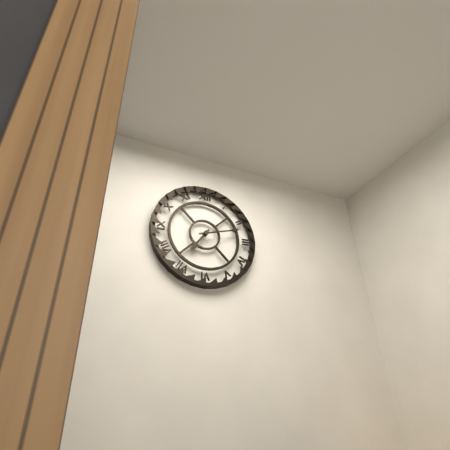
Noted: **7:12**
